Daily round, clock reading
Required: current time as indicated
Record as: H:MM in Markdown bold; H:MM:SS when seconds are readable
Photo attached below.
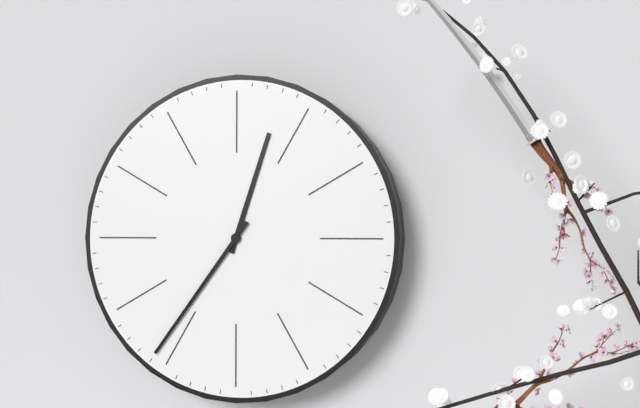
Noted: **12:36**
